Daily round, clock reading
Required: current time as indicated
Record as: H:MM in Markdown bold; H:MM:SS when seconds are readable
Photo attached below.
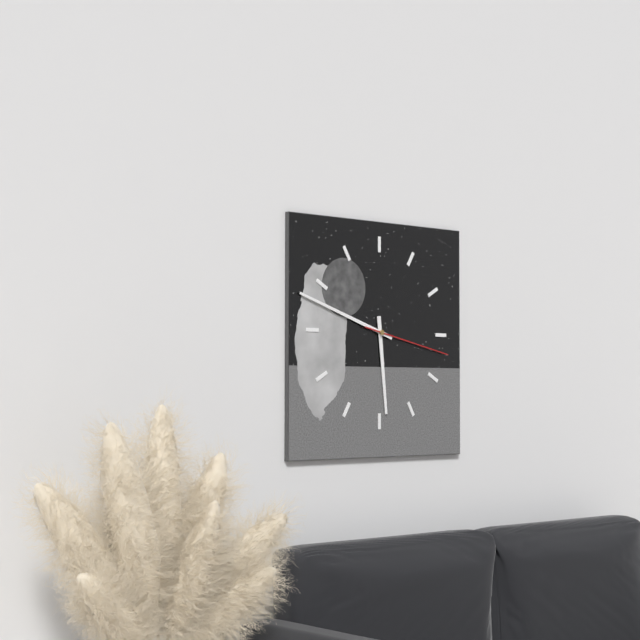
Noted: **5:48:17**
